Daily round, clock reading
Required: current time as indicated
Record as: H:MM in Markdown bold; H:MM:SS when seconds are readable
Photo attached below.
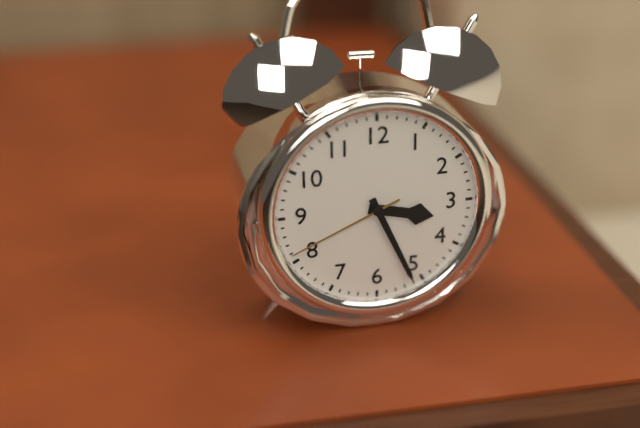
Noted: **3:26:41**
